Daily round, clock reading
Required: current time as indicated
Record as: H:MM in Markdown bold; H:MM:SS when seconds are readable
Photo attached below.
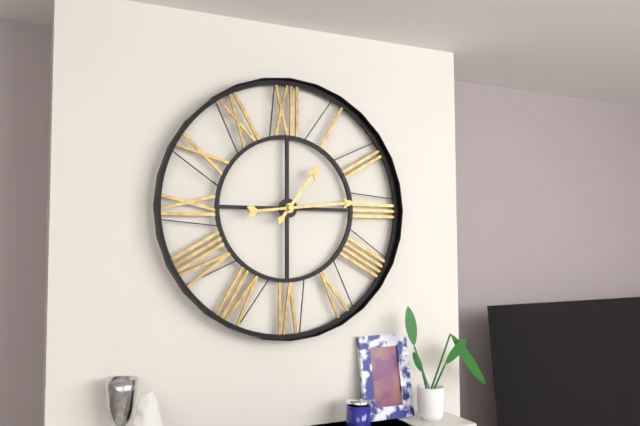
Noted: **1:14**
